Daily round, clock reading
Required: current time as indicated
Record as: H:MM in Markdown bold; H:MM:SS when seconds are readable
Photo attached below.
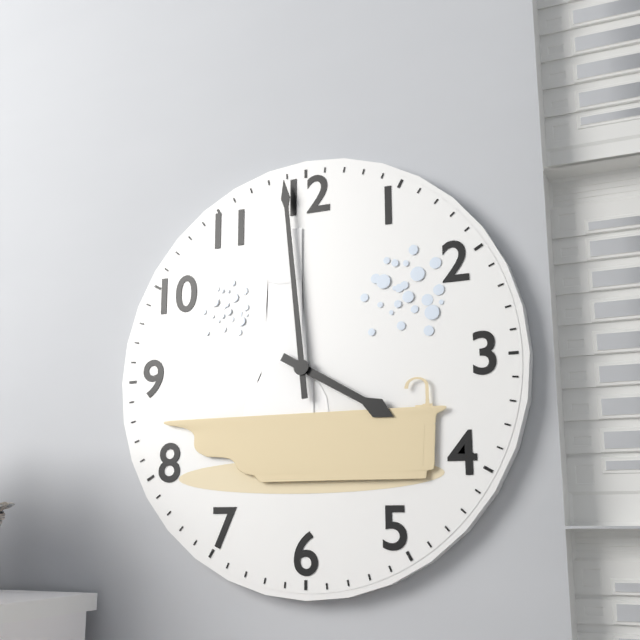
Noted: **3:59**
